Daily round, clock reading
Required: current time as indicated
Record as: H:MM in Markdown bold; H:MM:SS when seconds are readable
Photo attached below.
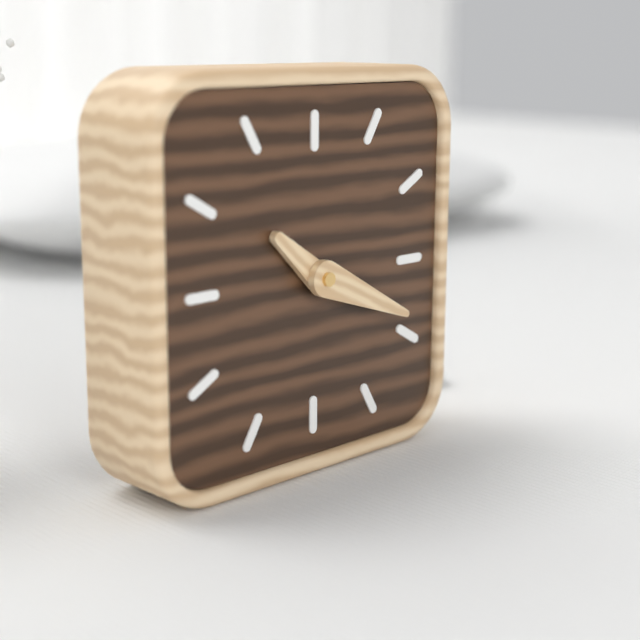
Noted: **10:19**
